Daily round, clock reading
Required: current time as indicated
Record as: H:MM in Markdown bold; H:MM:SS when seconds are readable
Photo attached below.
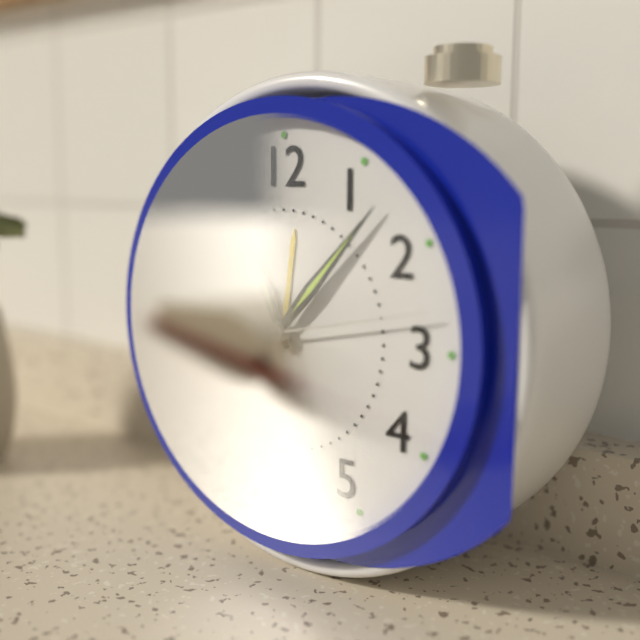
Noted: **11:07:13**
